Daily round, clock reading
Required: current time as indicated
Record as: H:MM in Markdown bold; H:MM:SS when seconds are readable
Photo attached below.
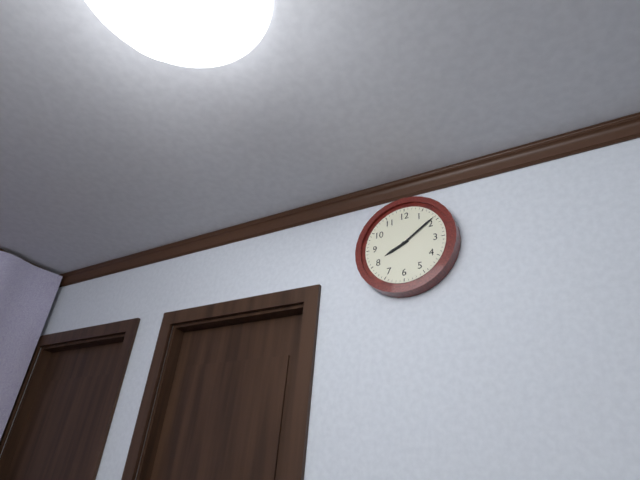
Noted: **8:09**
